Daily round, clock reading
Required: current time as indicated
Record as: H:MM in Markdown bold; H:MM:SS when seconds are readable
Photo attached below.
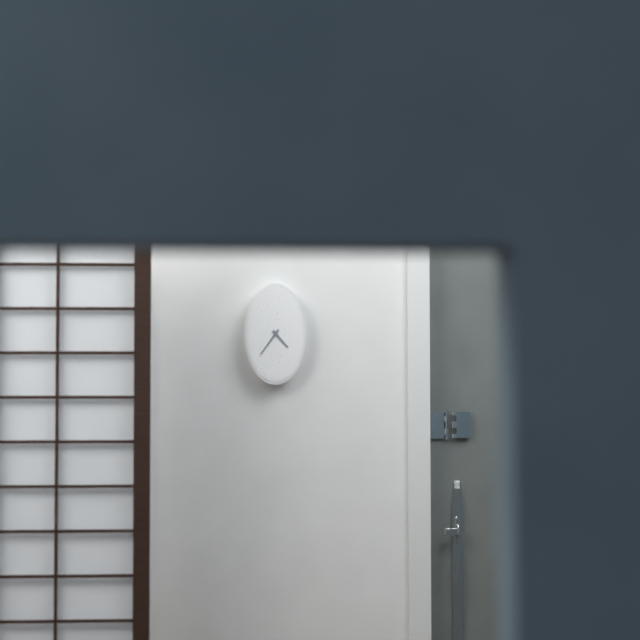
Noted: **4:36**
